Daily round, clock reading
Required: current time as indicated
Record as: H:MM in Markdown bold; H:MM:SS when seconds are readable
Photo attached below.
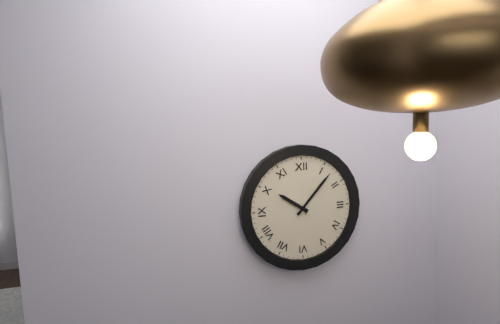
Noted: **10:07**
